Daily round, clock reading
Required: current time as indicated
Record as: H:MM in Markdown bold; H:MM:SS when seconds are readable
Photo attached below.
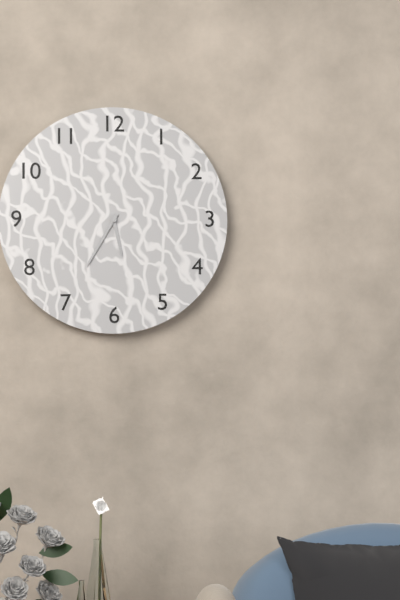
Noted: **5:35**
